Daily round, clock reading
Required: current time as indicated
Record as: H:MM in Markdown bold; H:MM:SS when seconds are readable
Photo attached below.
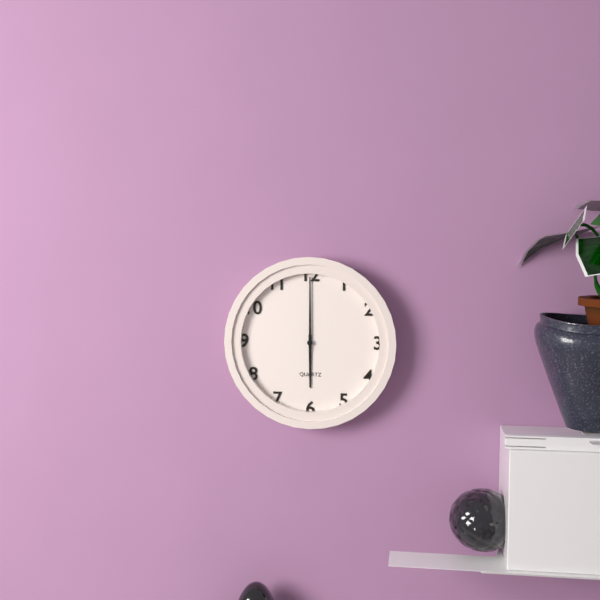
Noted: **6:00**
